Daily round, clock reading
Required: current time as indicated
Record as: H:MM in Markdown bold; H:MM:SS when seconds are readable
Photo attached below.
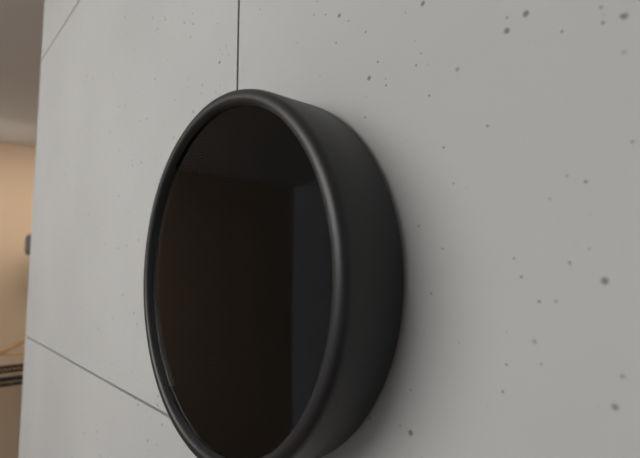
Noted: **10:51**
